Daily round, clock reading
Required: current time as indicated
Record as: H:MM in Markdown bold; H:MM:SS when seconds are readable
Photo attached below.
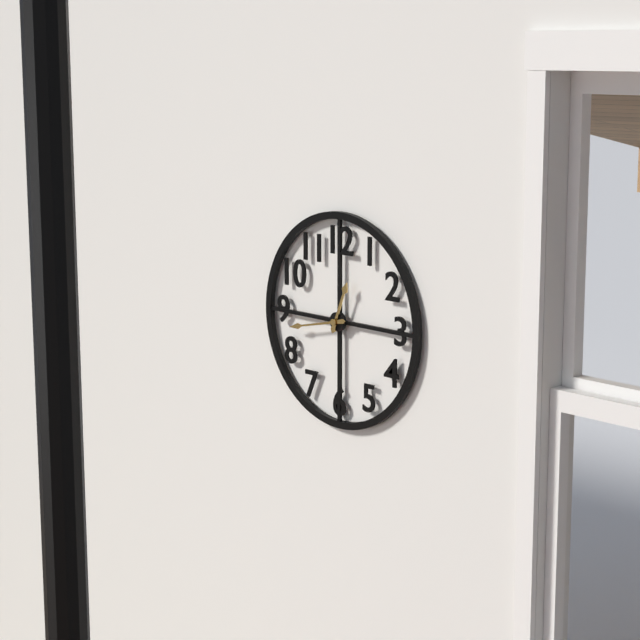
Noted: **12:43**
